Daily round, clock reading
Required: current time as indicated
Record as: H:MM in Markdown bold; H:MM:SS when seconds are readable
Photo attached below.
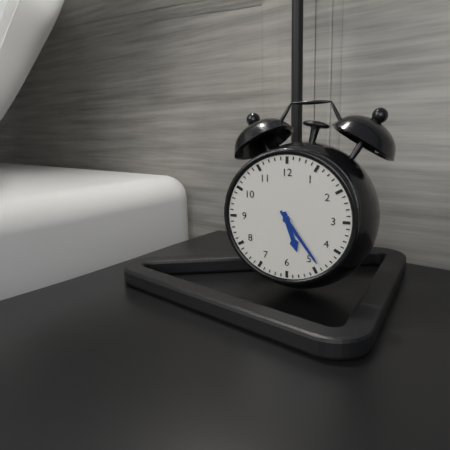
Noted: **5:24**
